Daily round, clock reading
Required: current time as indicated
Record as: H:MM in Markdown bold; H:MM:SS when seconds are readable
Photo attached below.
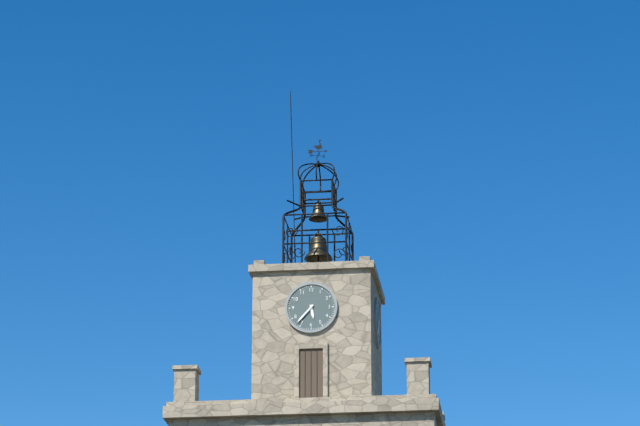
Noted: **5:37**
